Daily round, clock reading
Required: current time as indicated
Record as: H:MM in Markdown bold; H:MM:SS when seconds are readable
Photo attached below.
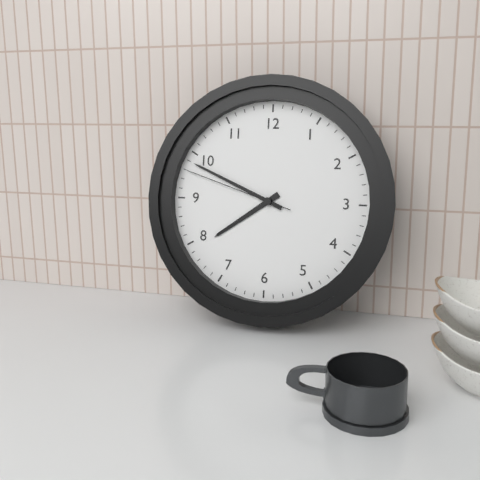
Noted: **7:49:48**
